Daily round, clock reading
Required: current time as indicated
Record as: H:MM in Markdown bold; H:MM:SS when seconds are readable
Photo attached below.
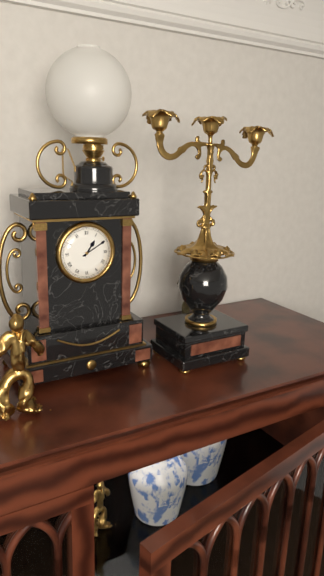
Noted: **1:10**
